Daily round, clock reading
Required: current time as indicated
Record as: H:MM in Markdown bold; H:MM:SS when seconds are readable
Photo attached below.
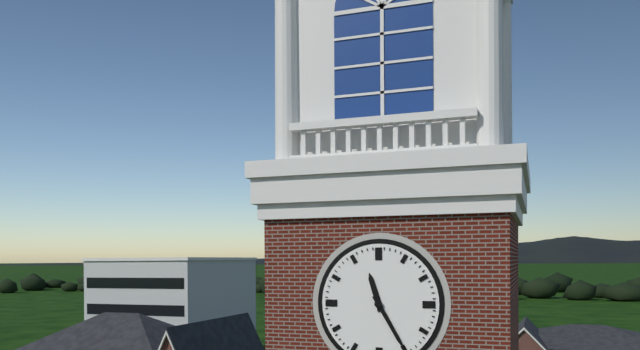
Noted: **11:25**
